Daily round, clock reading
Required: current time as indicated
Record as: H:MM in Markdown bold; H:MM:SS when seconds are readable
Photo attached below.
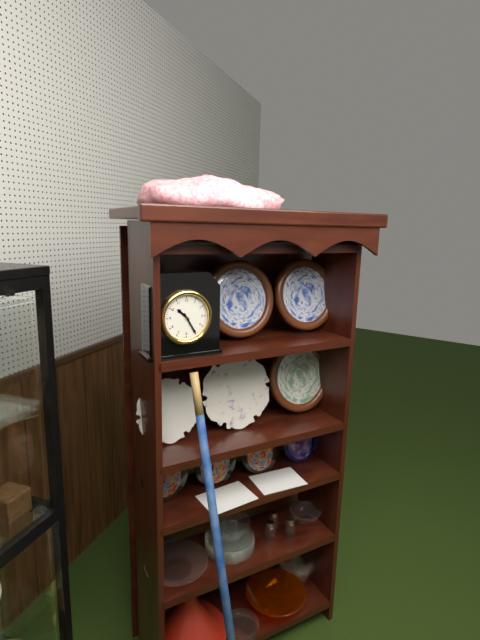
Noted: **10:25**
